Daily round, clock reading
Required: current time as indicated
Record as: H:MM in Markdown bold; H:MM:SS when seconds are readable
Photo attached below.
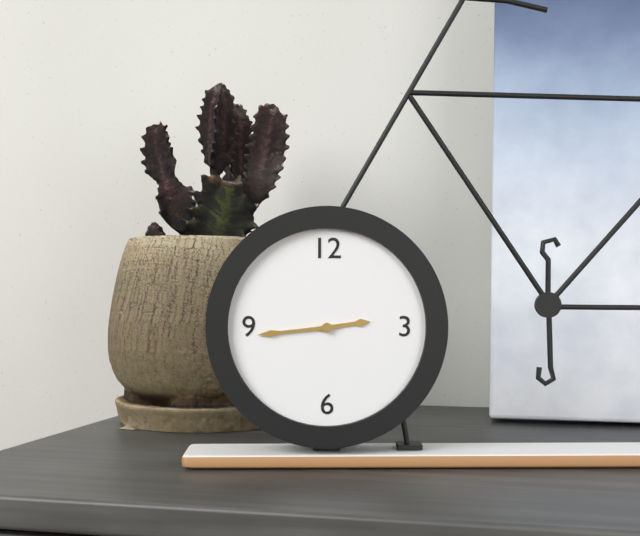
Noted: **2:44**
